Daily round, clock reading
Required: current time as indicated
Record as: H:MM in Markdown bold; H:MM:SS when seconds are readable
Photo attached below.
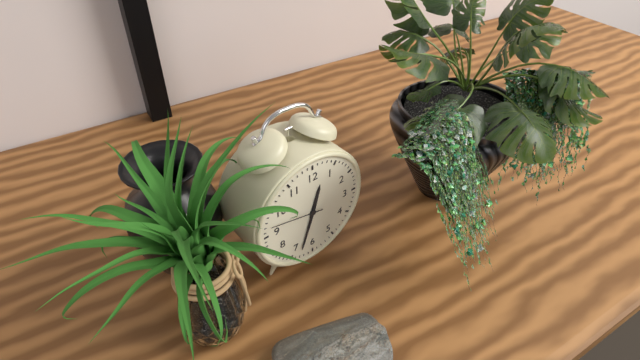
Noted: **12:33:47**
